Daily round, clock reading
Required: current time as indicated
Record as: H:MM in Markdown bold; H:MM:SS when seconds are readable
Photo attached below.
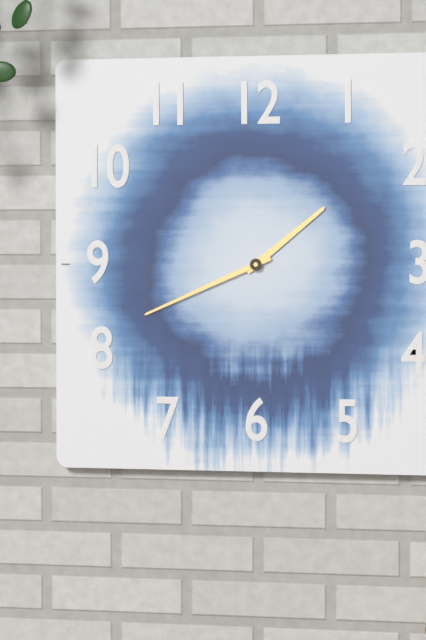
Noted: **1:41**
